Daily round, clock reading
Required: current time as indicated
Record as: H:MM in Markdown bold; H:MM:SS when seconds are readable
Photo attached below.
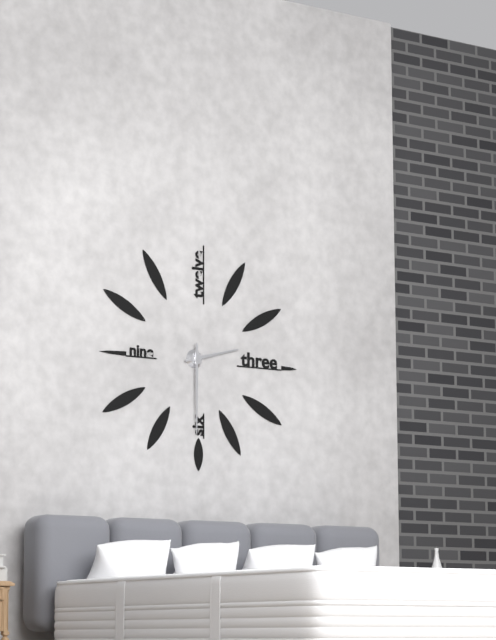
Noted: **2:30**
